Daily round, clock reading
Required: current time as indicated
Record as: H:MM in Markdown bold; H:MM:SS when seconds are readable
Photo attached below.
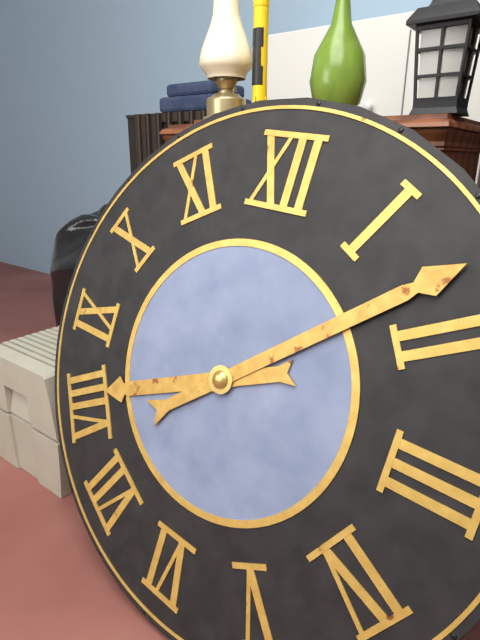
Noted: **8:08**
